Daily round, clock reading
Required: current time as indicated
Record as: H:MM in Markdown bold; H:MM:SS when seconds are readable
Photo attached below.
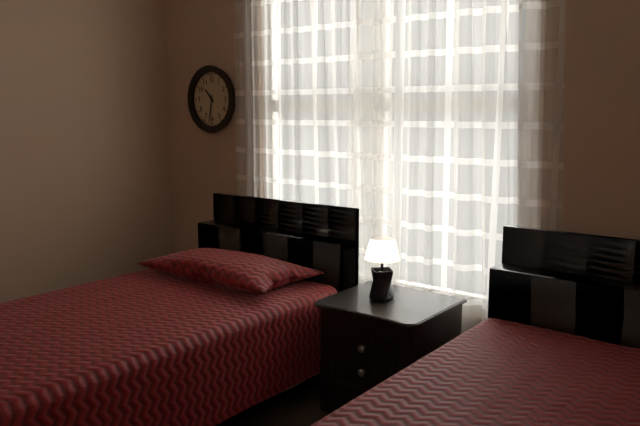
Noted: **10:32**
